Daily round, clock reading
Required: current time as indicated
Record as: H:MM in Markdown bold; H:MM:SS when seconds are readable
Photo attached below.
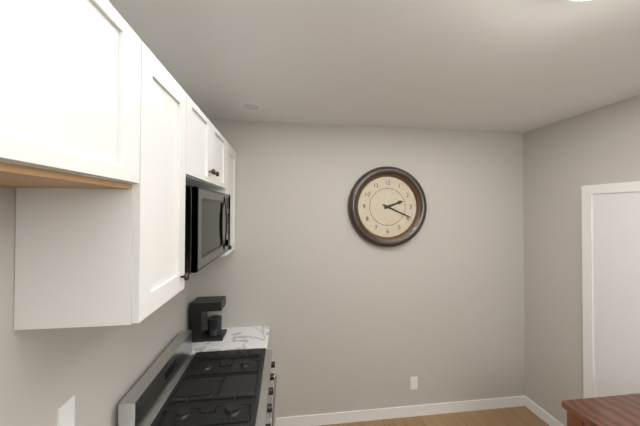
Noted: **2:19**
